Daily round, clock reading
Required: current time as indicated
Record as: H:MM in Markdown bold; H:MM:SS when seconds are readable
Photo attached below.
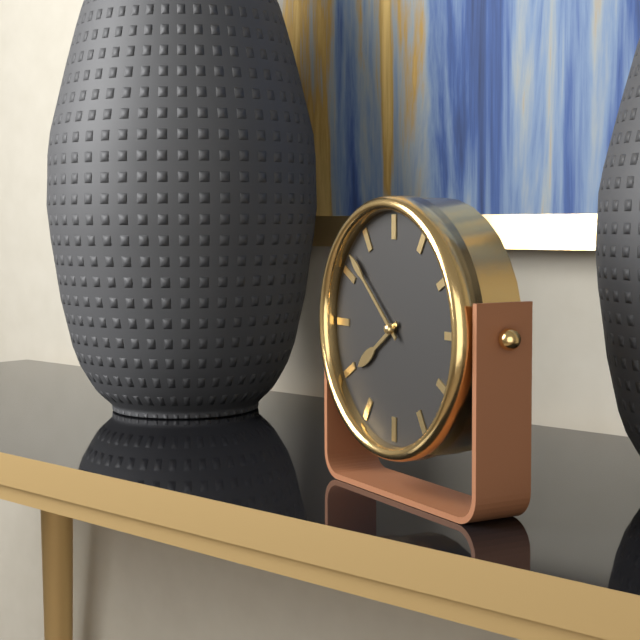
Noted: **7:52**
